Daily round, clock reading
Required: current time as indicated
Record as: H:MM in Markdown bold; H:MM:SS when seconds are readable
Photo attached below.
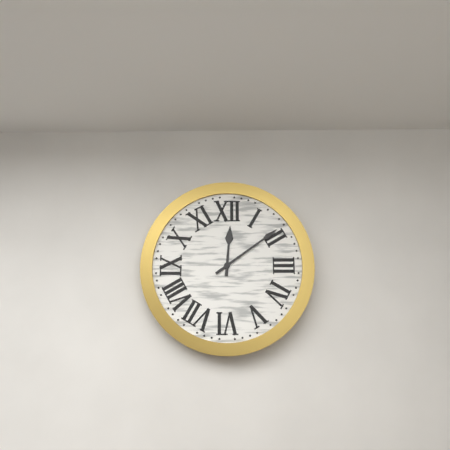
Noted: **12:09**
